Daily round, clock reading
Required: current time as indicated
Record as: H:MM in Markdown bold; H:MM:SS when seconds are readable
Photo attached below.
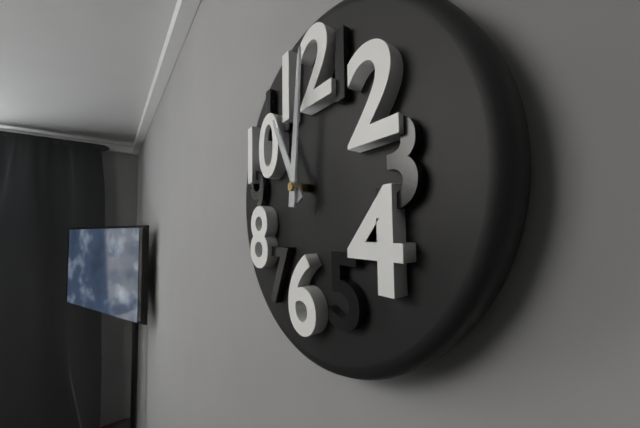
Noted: **11:01**
